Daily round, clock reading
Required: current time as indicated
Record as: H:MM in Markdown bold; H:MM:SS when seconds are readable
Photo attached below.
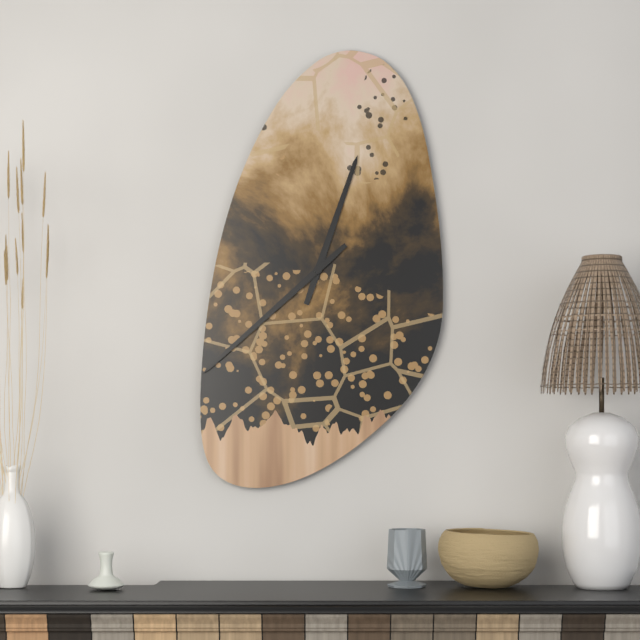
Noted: **12:38**
